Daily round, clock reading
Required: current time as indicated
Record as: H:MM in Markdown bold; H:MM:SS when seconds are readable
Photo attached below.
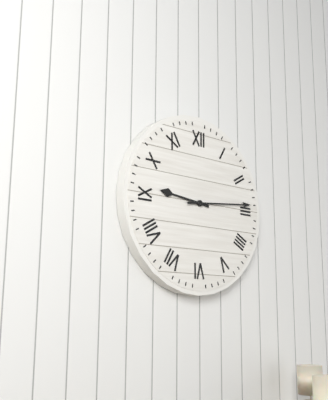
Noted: **9:14**
